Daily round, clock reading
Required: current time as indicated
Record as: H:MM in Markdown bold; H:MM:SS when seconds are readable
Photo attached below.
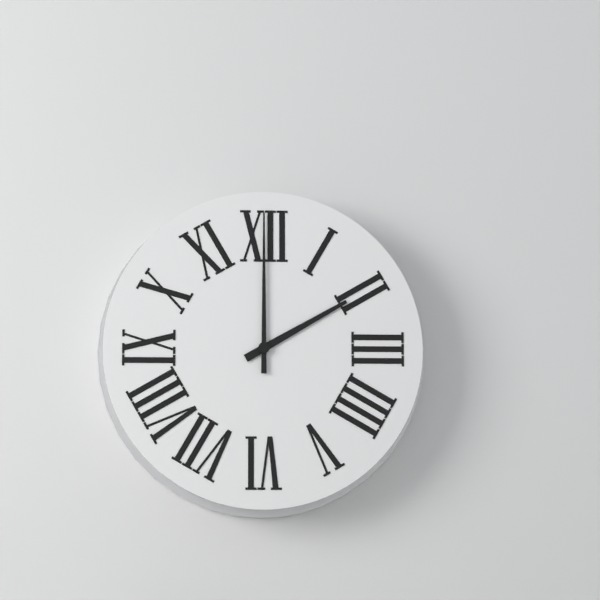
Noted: **2:00**
